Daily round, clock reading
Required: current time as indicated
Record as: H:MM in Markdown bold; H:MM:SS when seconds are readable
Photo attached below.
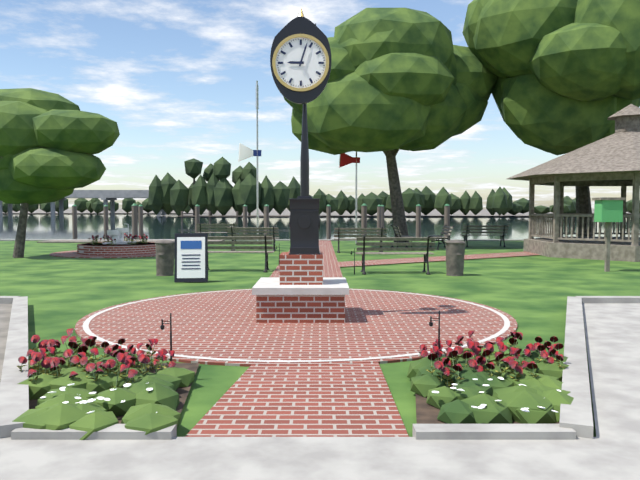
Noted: **9:03**
